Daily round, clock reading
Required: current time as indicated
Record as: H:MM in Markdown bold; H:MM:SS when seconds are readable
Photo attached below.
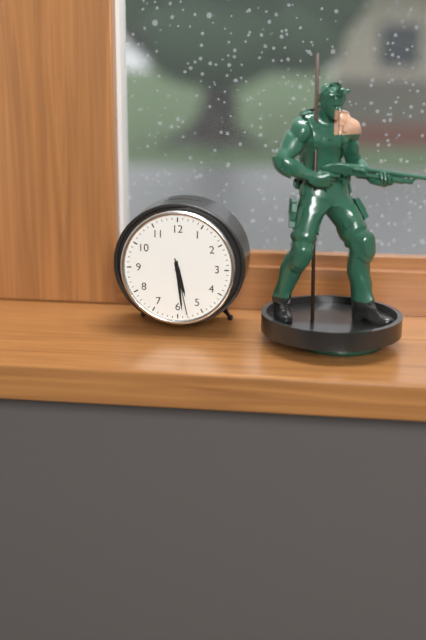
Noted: **5:29:28**
